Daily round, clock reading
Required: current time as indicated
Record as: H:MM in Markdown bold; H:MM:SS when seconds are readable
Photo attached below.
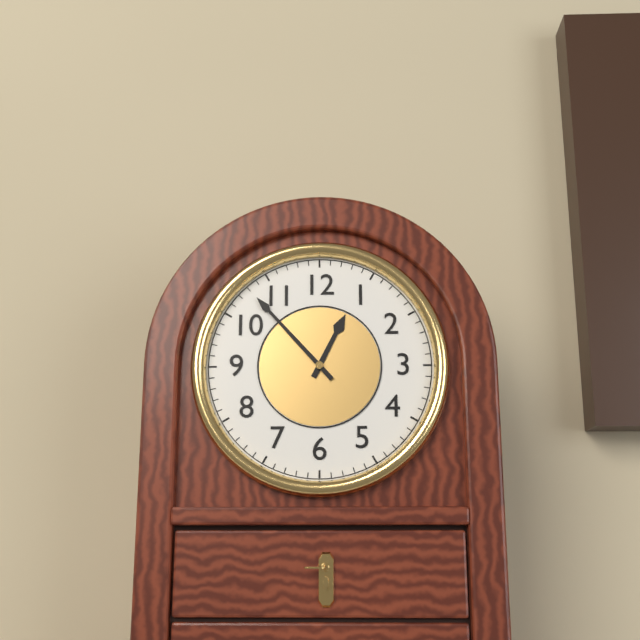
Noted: **12:53**
